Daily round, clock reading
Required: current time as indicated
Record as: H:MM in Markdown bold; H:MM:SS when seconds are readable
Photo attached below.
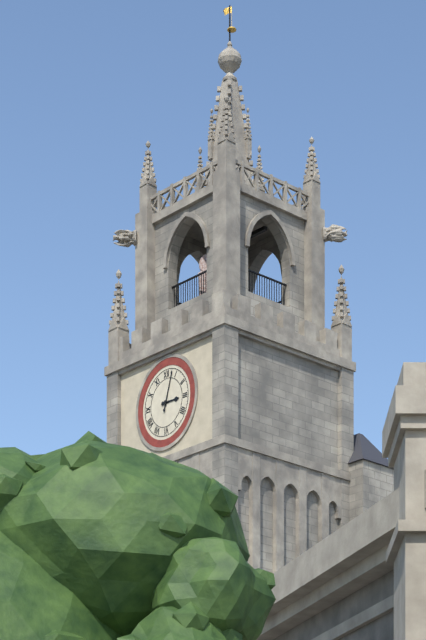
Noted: **3:03**
